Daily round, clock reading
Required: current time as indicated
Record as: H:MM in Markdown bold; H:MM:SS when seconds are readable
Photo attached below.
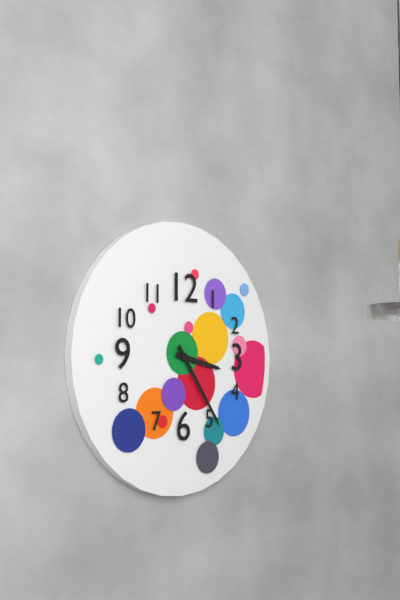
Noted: **3:24**
